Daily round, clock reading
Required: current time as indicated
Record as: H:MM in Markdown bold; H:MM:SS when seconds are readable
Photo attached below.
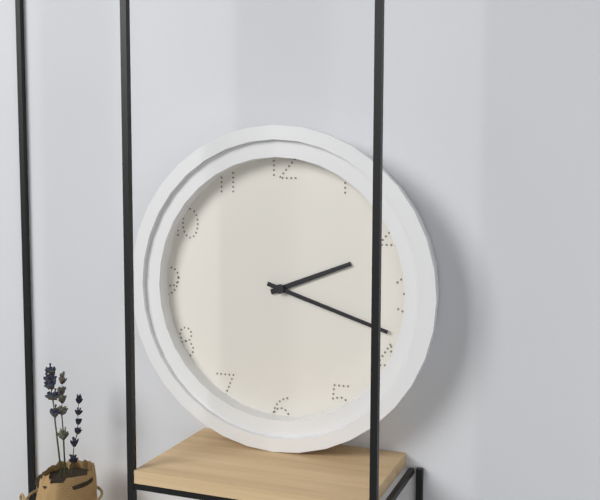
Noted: **2:18**
